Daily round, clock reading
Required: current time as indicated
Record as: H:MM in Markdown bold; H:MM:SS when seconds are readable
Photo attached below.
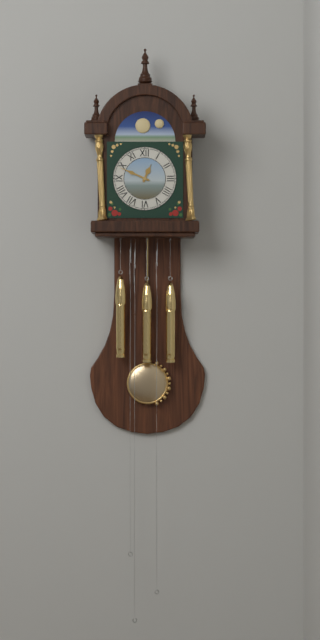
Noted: **12:49**
